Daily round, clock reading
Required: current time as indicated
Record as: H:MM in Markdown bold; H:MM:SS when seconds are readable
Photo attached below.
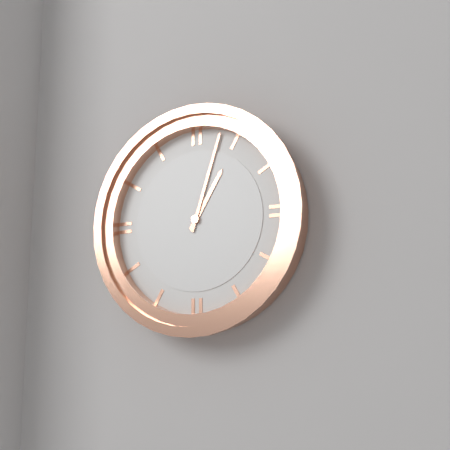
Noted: **1:03**
